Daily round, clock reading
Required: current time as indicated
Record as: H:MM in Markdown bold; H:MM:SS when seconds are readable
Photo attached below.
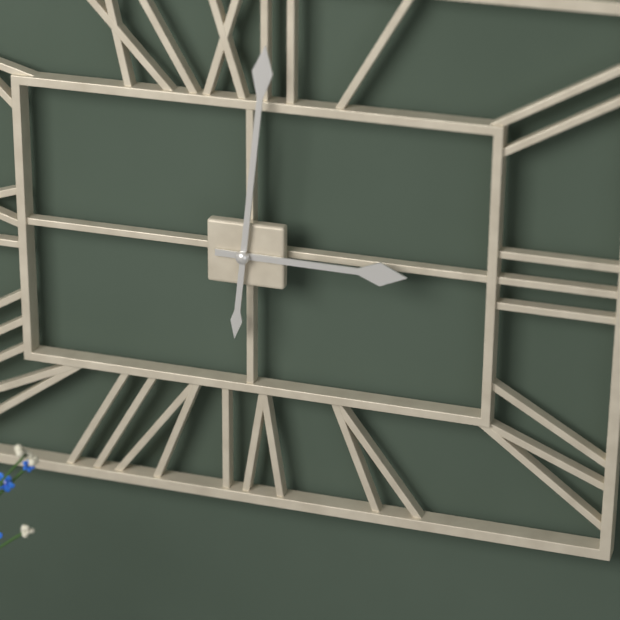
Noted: **3:01**
